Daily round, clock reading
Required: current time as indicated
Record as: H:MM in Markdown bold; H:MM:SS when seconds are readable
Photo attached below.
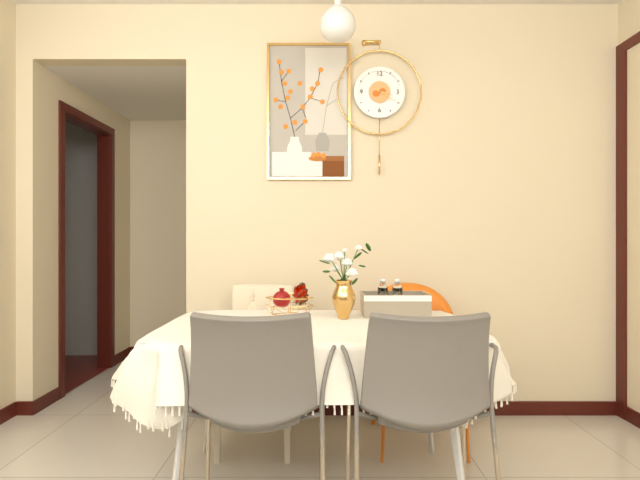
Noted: **3:20**
